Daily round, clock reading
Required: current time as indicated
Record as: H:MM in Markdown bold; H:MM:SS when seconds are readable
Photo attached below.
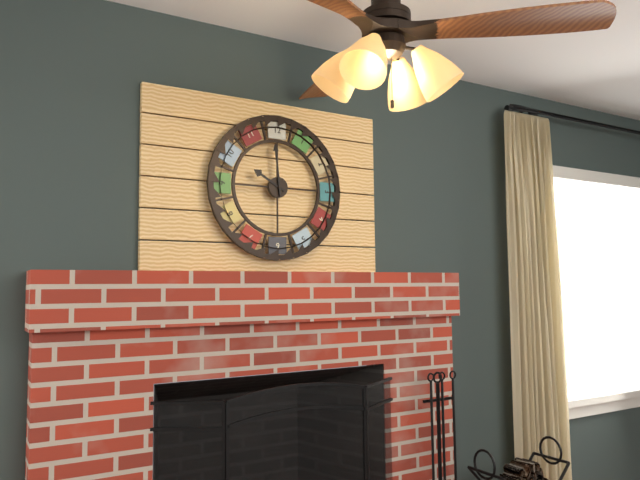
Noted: **9:59**
